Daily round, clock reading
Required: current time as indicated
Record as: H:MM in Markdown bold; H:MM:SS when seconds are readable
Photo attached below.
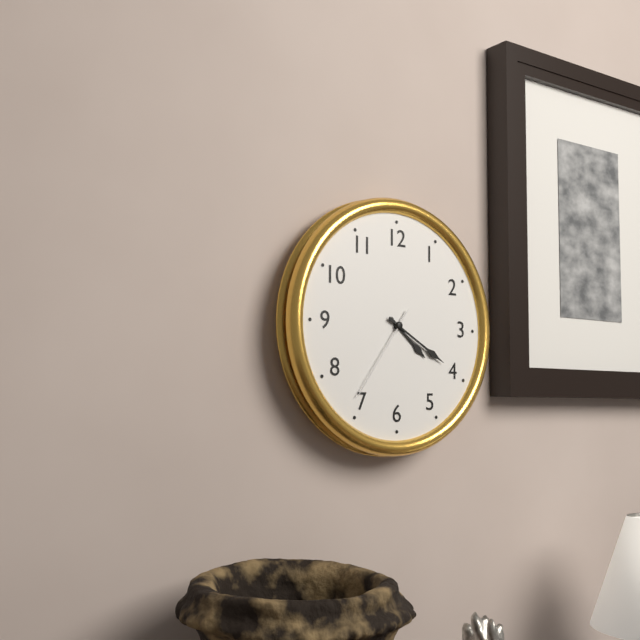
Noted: **4:20:36**
